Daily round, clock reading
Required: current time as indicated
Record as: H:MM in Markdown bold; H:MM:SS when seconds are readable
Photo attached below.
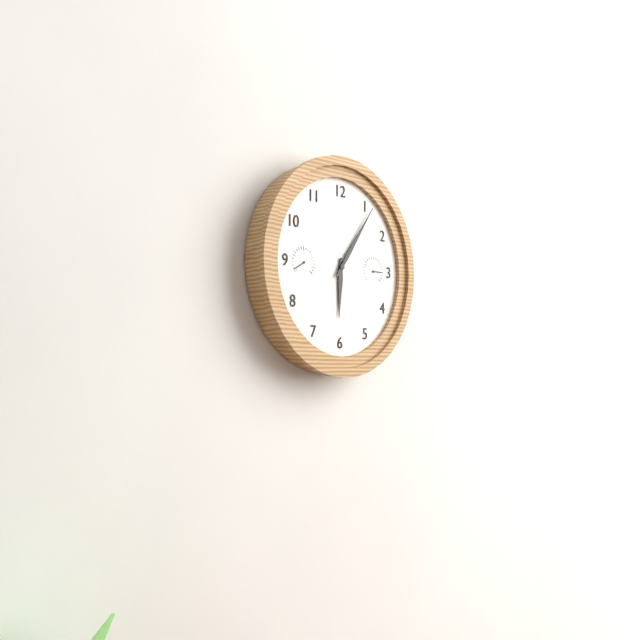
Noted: **6:06**
